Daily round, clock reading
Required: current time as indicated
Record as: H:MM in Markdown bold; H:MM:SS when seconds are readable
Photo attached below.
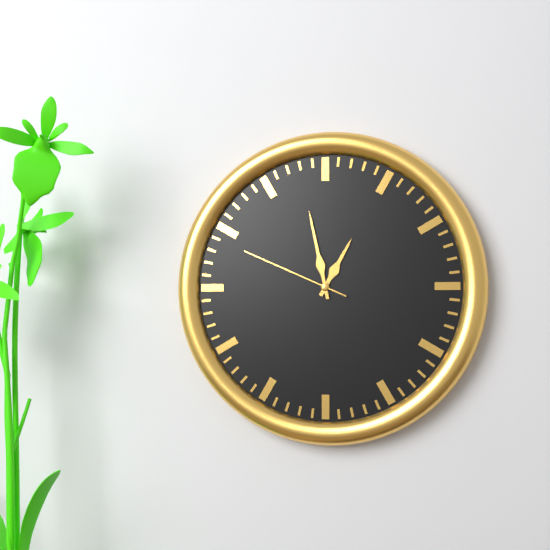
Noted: **12:58:49**
